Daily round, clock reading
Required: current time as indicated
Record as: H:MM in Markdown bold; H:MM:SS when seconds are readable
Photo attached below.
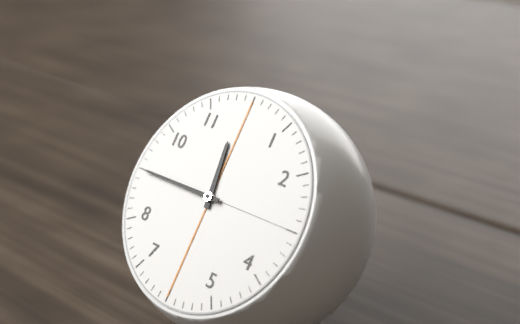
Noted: **11:45**
